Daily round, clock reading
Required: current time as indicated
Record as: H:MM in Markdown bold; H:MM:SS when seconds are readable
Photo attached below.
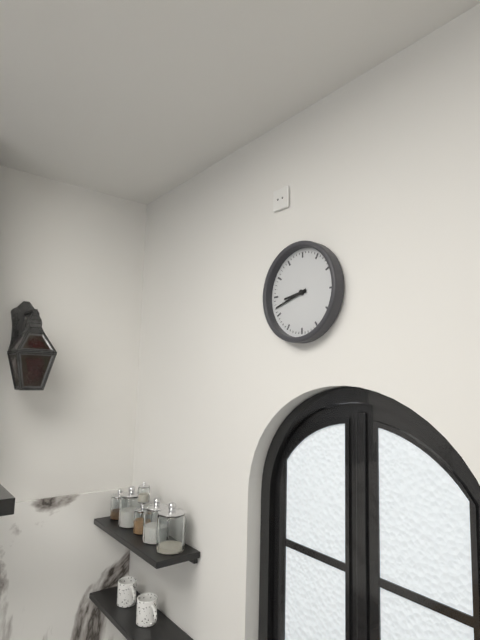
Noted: **8:42**
